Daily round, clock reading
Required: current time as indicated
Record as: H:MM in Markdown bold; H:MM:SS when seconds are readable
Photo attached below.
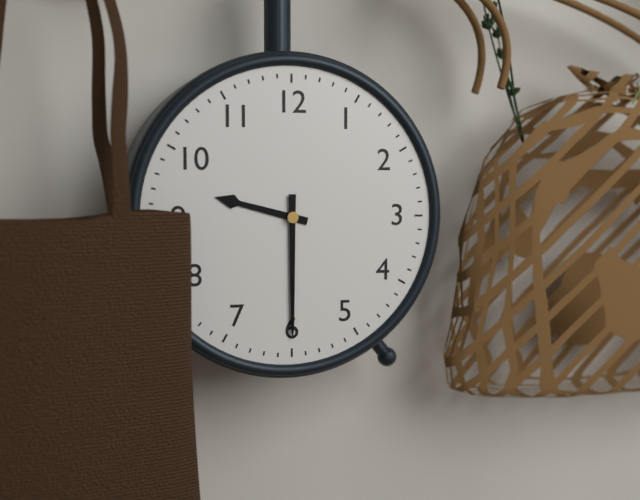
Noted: **9:30**
